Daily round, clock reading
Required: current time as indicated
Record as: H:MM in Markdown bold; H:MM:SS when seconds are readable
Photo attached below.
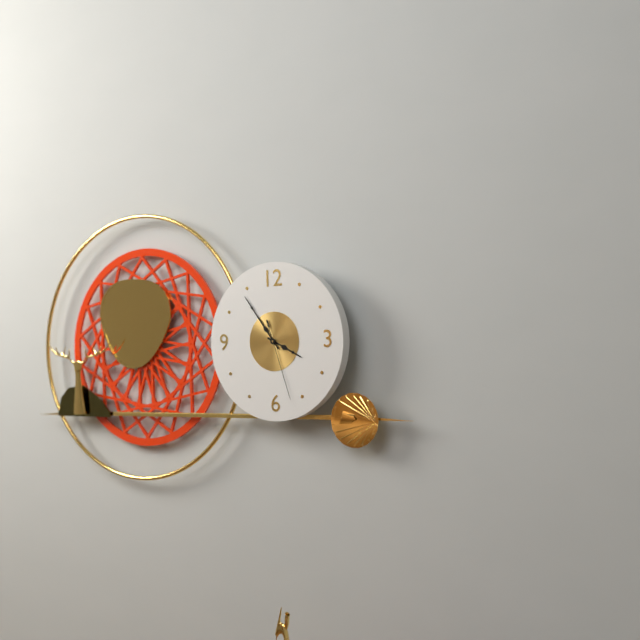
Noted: **3:54:27**
